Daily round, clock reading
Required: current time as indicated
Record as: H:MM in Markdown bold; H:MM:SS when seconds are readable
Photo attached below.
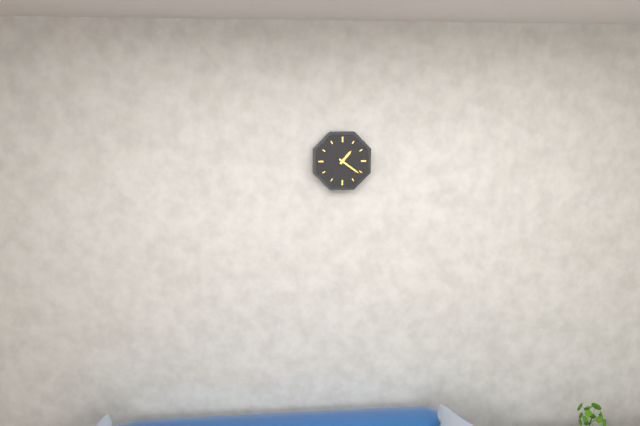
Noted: **1:21**
